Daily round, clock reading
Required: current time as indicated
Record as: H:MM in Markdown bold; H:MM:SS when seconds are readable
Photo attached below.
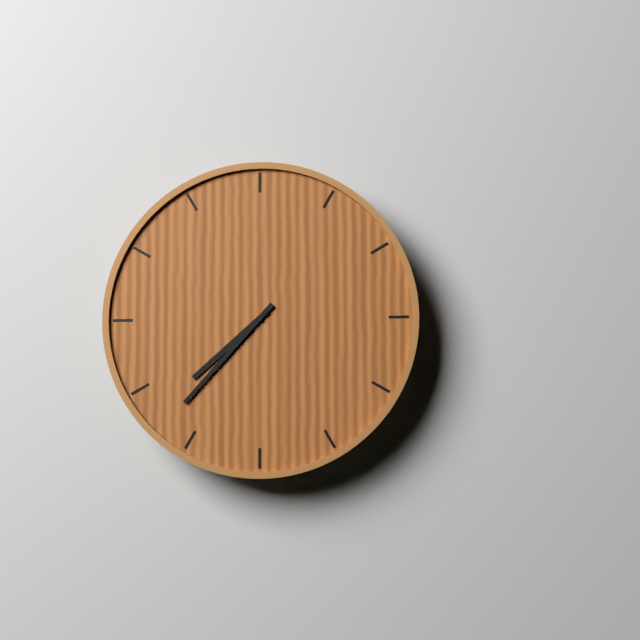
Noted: **7:37**
